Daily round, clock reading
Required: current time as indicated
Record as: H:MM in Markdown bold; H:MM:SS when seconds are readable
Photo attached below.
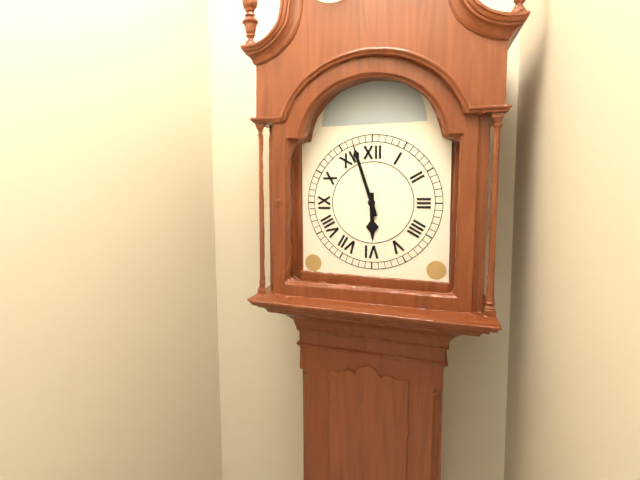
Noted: **5:57**
